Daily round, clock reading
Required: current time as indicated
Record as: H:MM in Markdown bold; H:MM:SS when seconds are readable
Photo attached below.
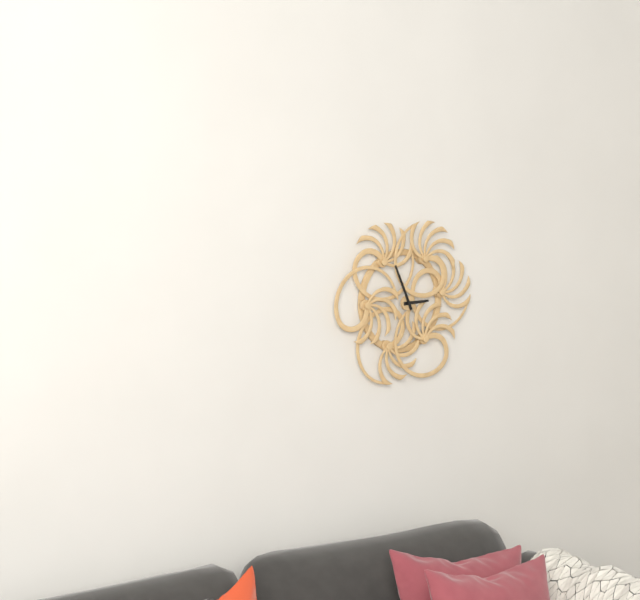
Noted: **2:56**
